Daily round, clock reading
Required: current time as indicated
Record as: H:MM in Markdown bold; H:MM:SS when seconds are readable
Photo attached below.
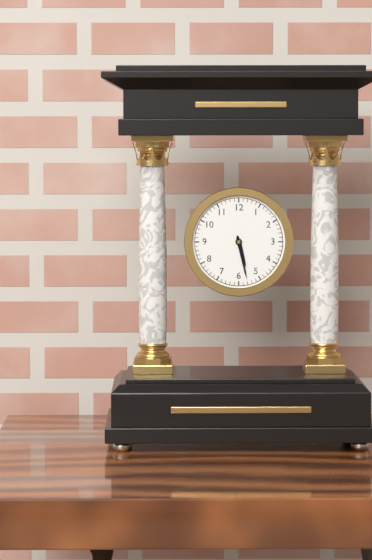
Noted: **5:28**
